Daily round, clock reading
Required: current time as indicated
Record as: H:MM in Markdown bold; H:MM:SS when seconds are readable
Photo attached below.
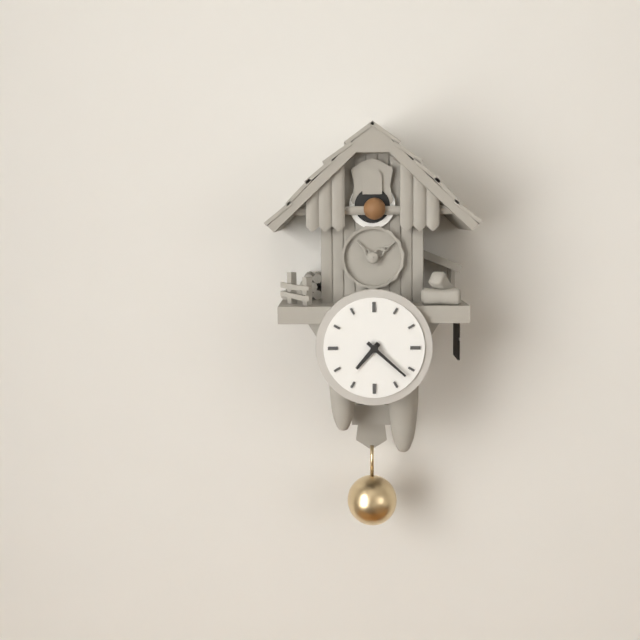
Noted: **7:22**
